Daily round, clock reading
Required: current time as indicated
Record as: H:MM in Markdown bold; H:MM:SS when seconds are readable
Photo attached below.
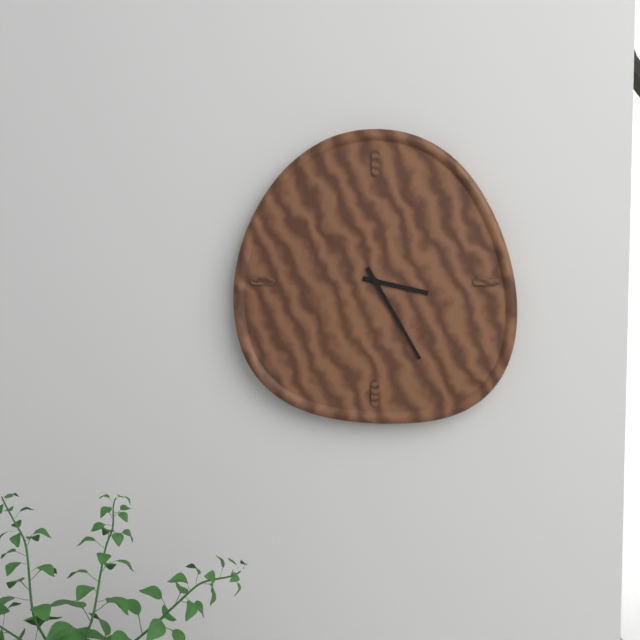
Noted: **3:25**
